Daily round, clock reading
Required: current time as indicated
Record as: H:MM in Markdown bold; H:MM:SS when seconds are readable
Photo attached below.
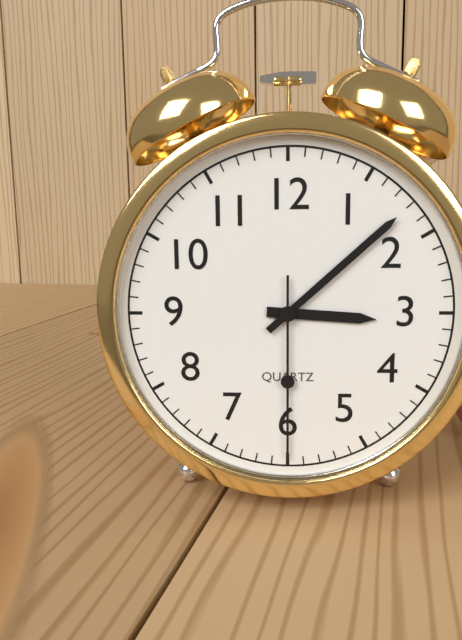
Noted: **3:08:30**
